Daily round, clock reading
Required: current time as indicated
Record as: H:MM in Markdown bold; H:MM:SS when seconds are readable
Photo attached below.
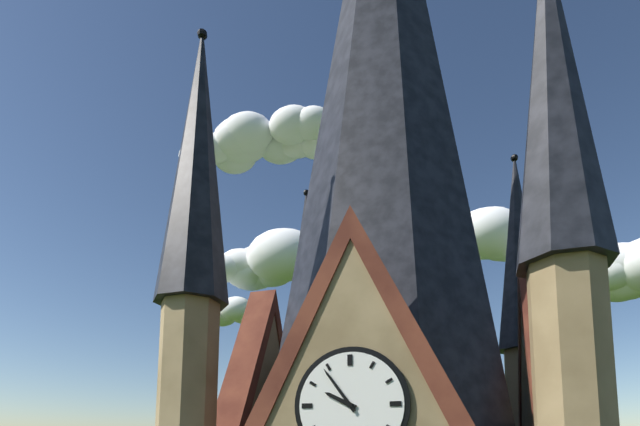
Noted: **9:54**
